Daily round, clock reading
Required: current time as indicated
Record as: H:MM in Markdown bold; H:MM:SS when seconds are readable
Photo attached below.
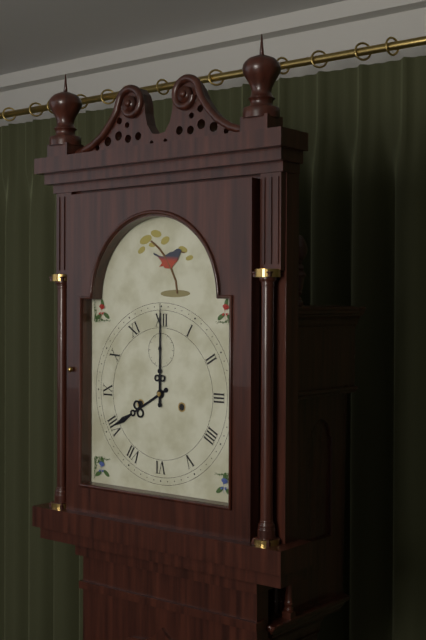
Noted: **8:00**
